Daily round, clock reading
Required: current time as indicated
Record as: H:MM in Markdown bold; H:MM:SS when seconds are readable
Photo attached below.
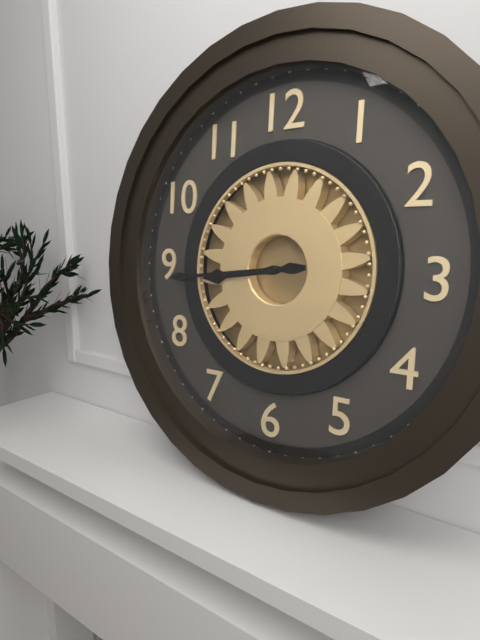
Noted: **8:44**
